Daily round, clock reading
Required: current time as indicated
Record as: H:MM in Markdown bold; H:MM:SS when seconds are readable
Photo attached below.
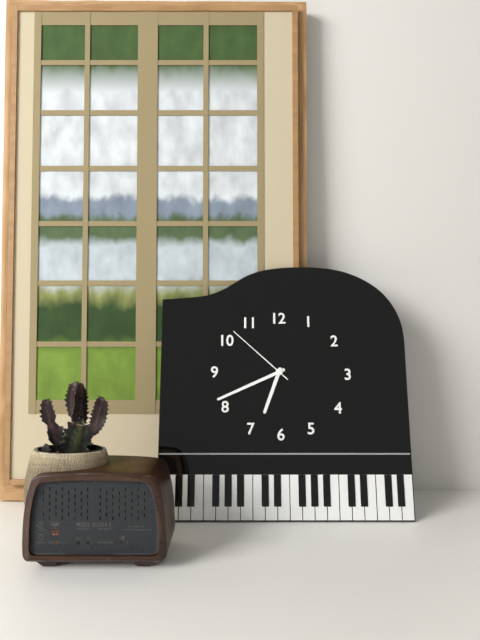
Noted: **6:41:52**
